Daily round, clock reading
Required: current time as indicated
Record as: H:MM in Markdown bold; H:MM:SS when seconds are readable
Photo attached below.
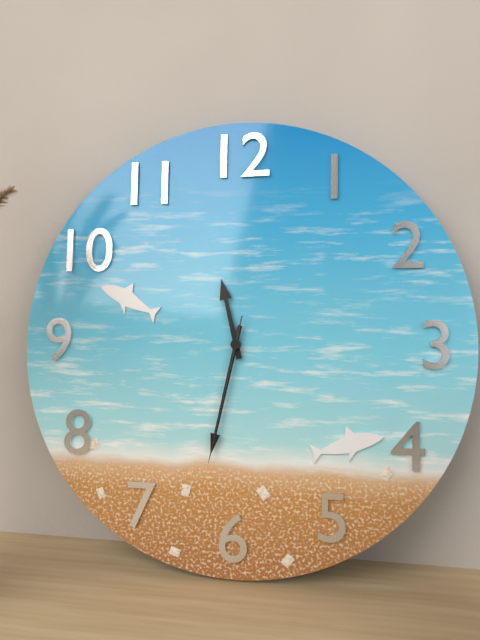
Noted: **11:32:32**
